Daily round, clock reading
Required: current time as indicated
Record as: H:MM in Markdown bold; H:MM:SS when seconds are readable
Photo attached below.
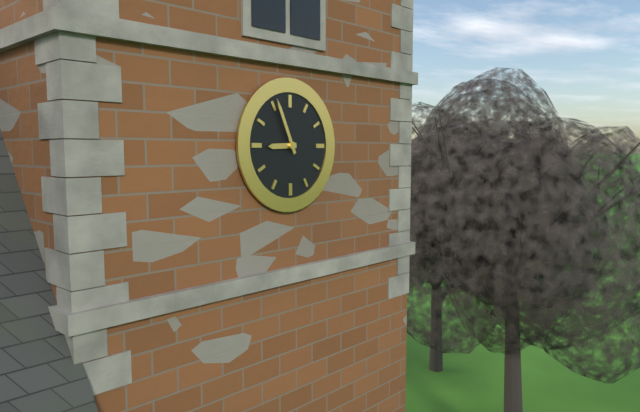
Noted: **8:56**
